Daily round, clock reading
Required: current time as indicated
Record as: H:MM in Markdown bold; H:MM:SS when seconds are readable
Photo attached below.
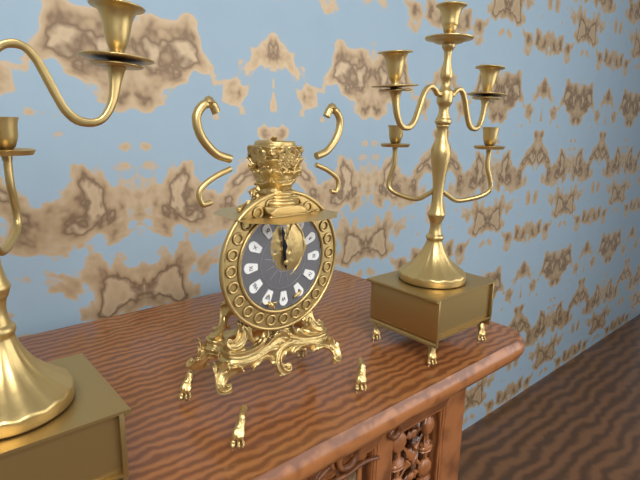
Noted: **11:59**
